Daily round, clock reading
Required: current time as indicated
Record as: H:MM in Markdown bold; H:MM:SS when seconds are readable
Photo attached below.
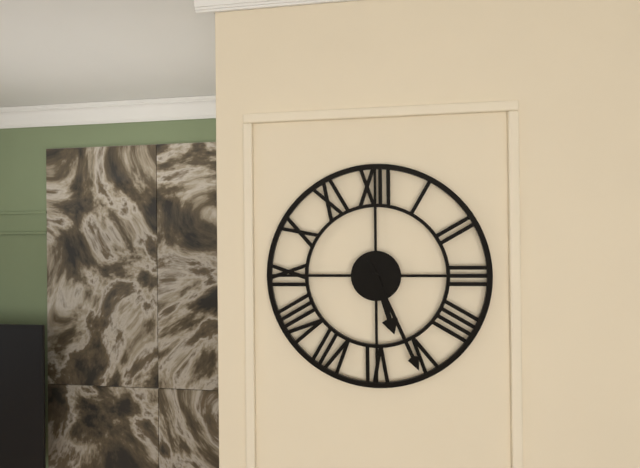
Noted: **5:26**
